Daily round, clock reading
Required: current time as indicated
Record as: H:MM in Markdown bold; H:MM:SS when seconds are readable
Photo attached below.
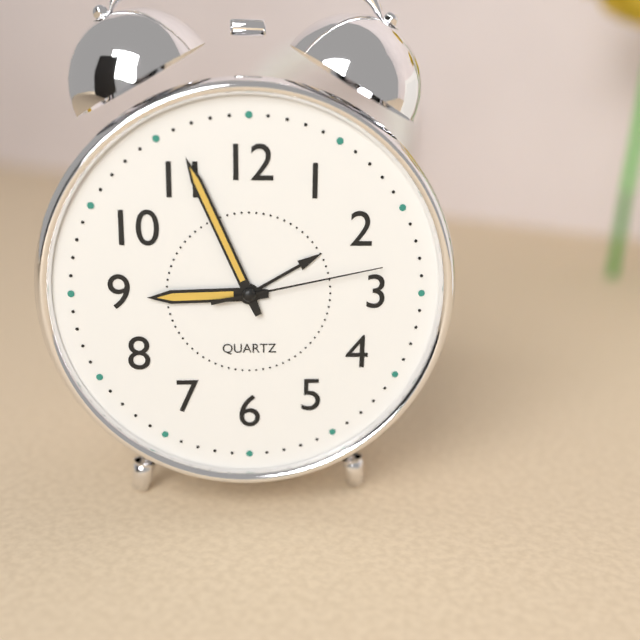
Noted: **8:56:13**
